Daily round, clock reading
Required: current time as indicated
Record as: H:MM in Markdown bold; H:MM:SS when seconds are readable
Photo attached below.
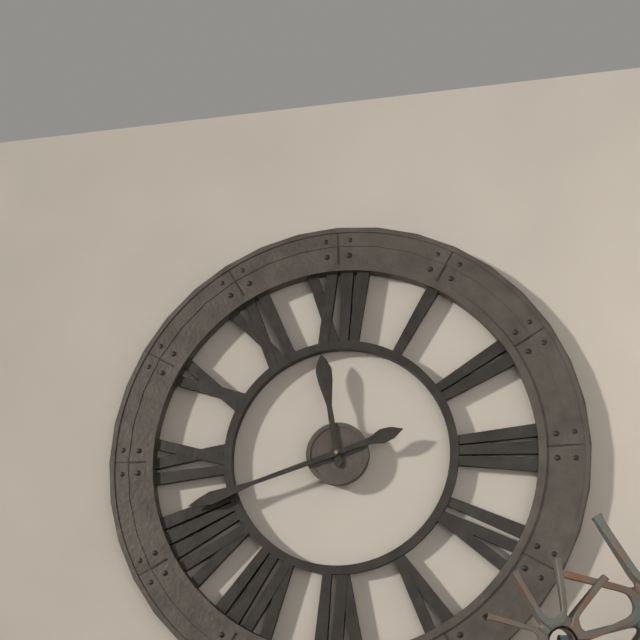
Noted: **11:42**
